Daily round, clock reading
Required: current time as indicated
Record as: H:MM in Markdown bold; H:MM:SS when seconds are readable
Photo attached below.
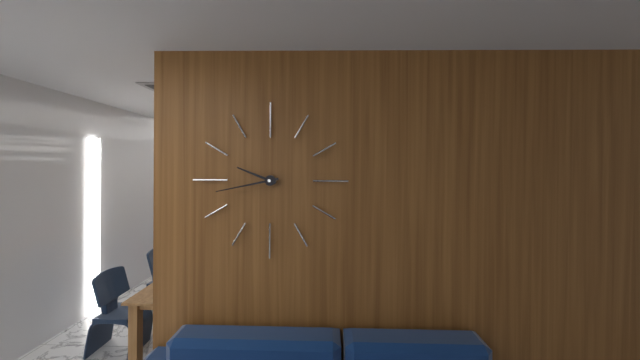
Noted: **9:43**
